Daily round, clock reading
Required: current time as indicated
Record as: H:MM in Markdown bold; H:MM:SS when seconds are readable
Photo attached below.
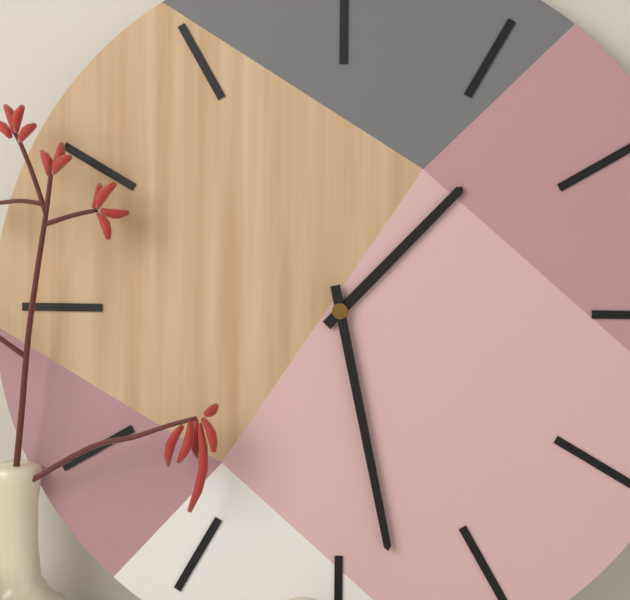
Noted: **1:28**
